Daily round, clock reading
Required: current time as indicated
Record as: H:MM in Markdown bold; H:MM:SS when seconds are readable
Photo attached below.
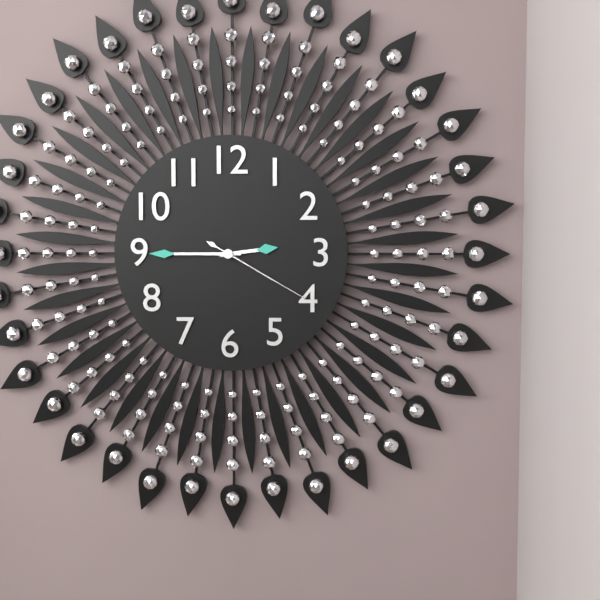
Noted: **2:45:20**
